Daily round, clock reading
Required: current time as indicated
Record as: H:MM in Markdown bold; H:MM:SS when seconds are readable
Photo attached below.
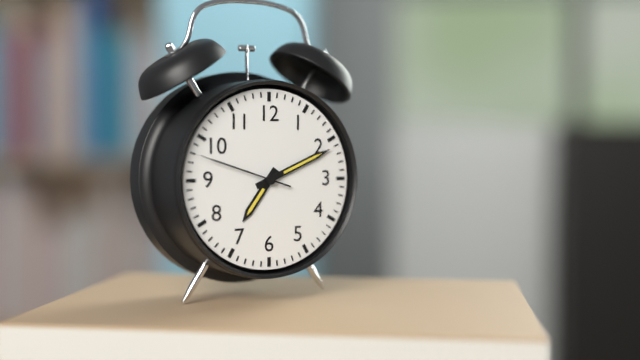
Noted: **7:11:48**
